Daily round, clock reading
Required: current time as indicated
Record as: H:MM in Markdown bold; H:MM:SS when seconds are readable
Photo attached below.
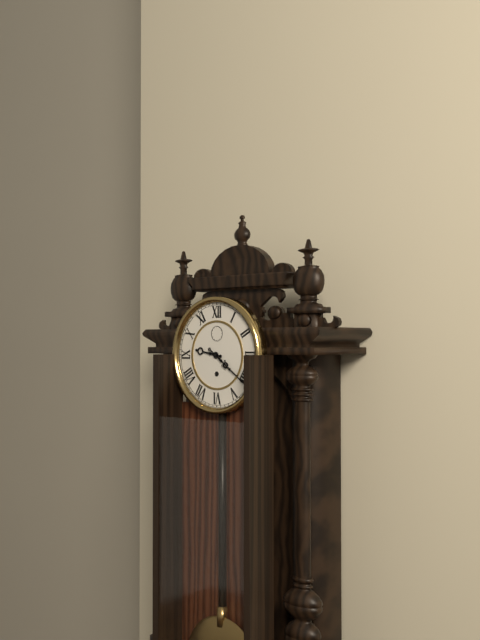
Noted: **9:21**
